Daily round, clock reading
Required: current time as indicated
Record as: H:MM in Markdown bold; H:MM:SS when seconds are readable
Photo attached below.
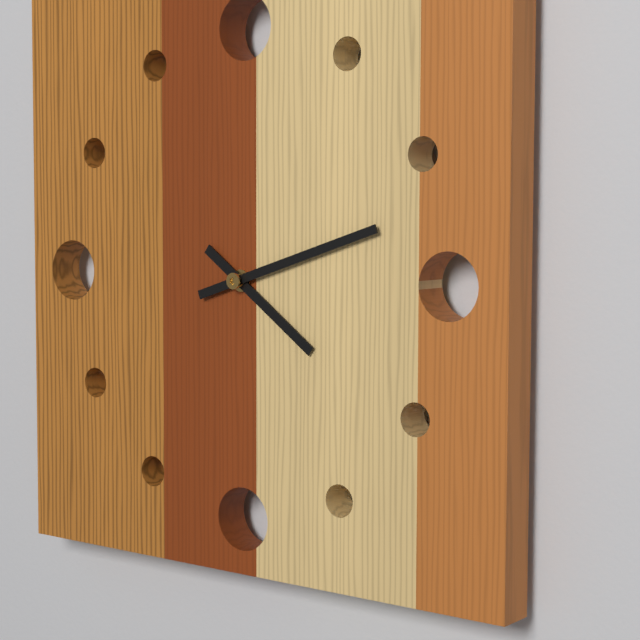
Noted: **4:12**
